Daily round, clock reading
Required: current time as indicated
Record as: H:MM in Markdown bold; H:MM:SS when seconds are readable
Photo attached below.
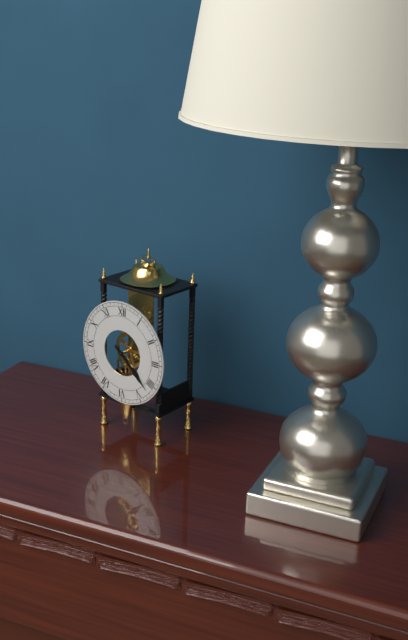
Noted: **4:22**
